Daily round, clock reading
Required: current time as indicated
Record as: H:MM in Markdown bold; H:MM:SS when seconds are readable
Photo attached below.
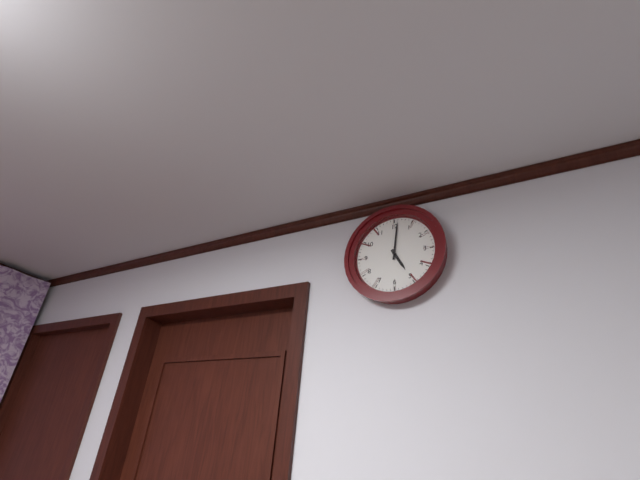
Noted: **5:01**
